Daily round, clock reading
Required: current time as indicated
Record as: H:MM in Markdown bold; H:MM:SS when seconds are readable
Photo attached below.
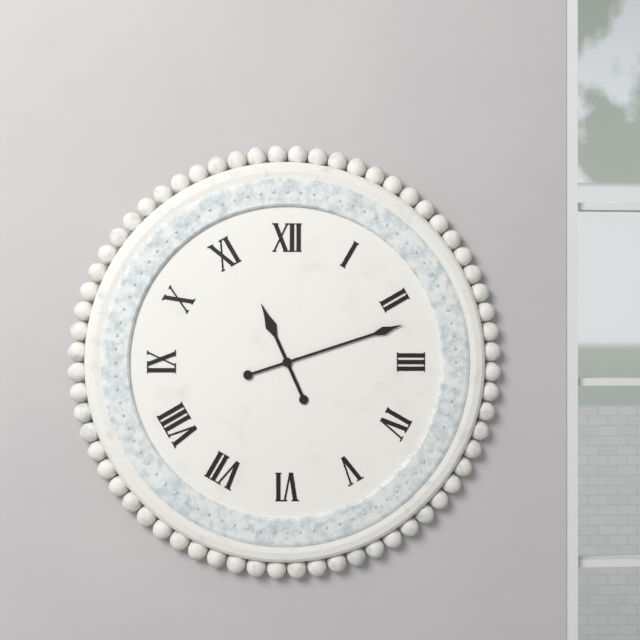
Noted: **11:12**
